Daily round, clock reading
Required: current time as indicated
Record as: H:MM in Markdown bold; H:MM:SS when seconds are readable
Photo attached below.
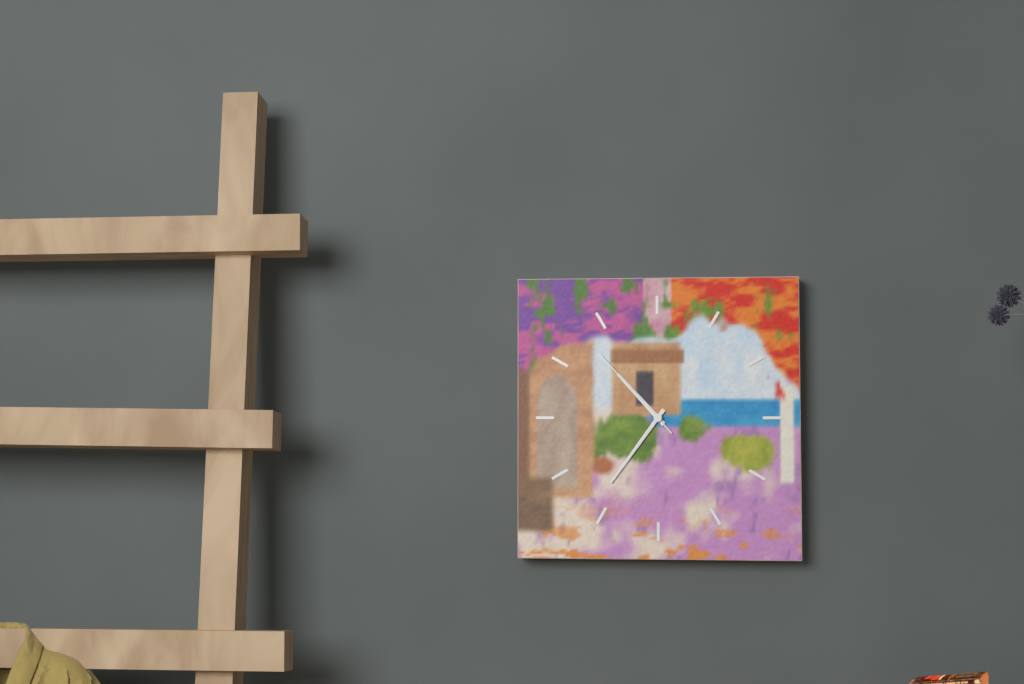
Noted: **10:36:53**
